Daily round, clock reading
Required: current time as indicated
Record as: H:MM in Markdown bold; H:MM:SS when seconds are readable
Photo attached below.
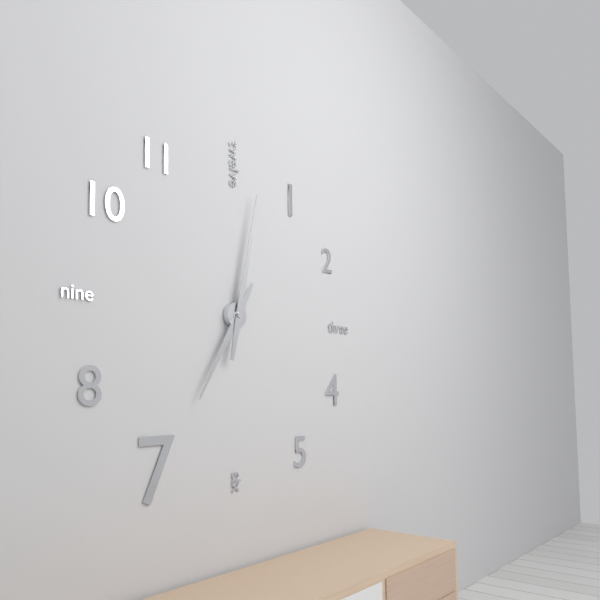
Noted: **7:02**
